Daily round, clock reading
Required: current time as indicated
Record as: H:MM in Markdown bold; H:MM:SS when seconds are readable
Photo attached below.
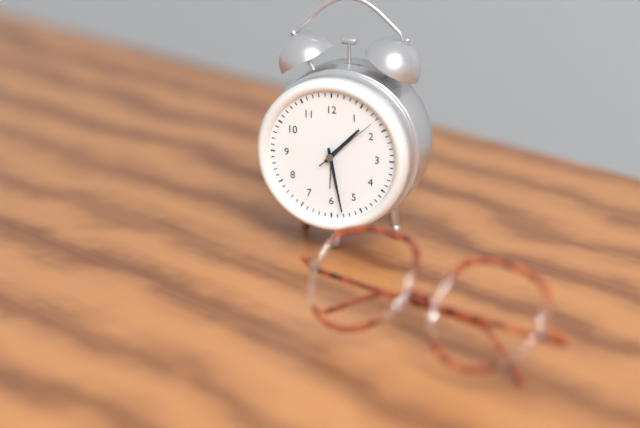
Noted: **1:28:08**
